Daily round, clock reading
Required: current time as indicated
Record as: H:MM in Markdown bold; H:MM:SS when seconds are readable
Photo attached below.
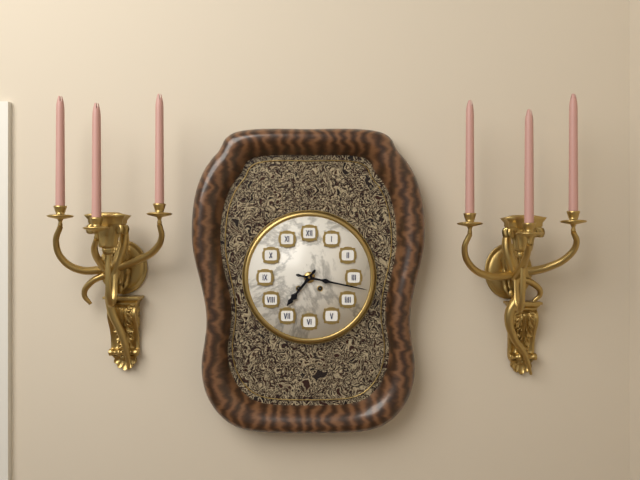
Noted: **7:17**
